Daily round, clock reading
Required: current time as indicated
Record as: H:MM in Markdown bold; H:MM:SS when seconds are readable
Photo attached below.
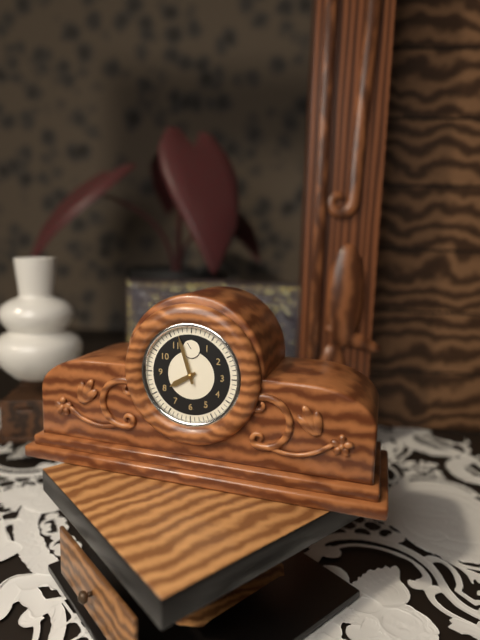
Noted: **7:57**
